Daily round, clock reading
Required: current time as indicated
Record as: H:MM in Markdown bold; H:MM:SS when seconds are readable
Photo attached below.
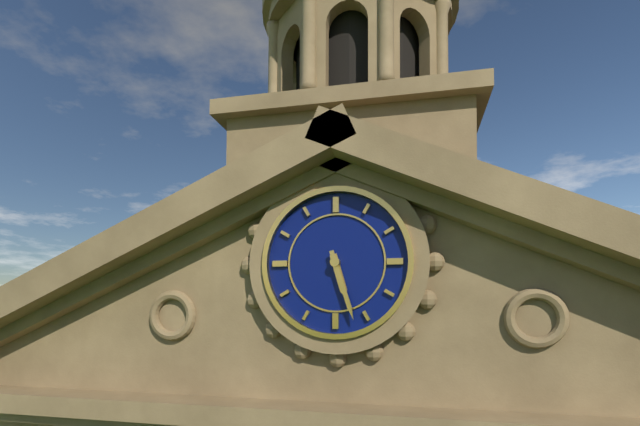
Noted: **5:27**
